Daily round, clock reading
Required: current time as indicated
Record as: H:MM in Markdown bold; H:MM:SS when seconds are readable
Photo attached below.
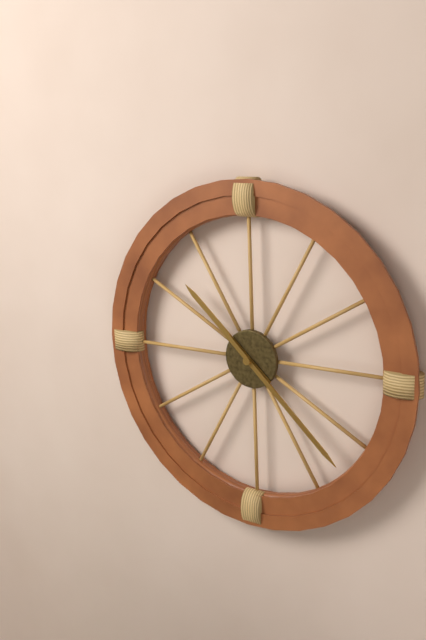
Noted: **10:22**
